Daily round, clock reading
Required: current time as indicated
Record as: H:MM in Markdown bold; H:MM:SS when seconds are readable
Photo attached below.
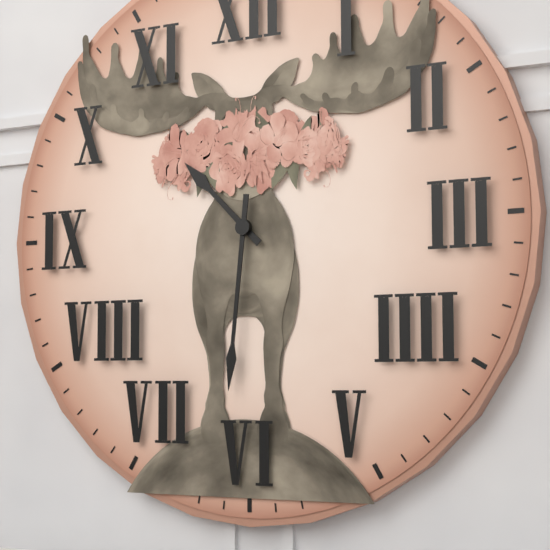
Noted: **10:31**
